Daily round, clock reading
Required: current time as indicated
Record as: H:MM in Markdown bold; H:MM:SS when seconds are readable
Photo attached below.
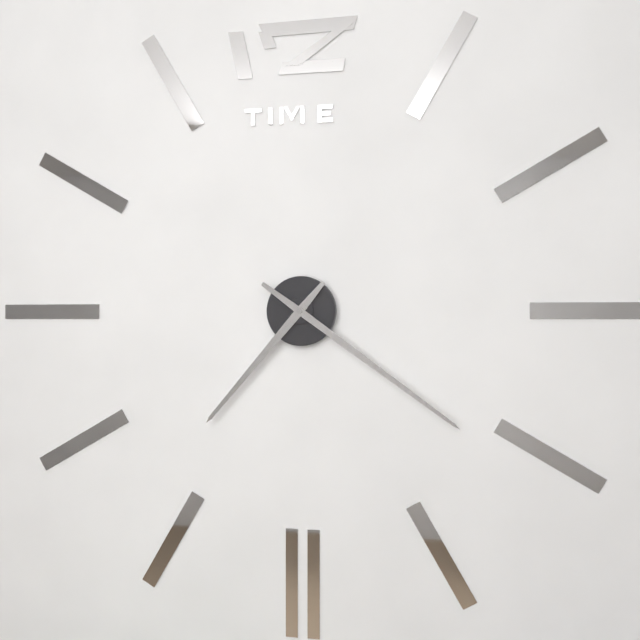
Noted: **7:21**
